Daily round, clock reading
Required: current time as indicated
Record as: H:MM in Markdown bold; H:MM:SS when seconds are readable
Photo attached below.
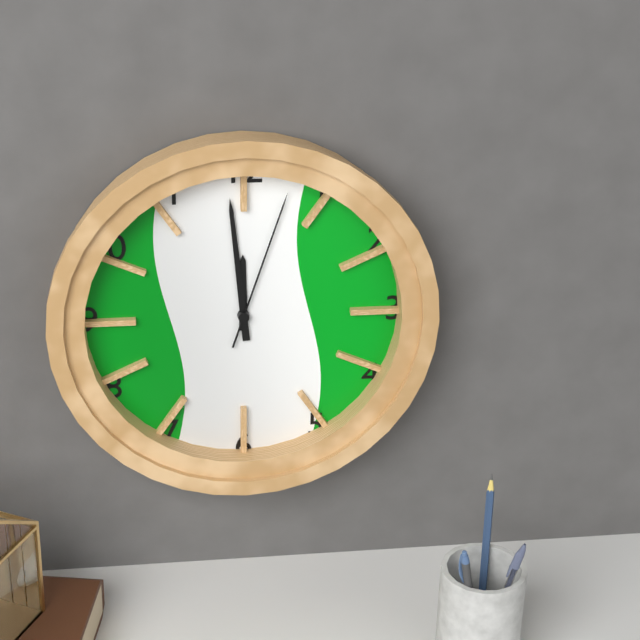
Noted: **11:59:03**
